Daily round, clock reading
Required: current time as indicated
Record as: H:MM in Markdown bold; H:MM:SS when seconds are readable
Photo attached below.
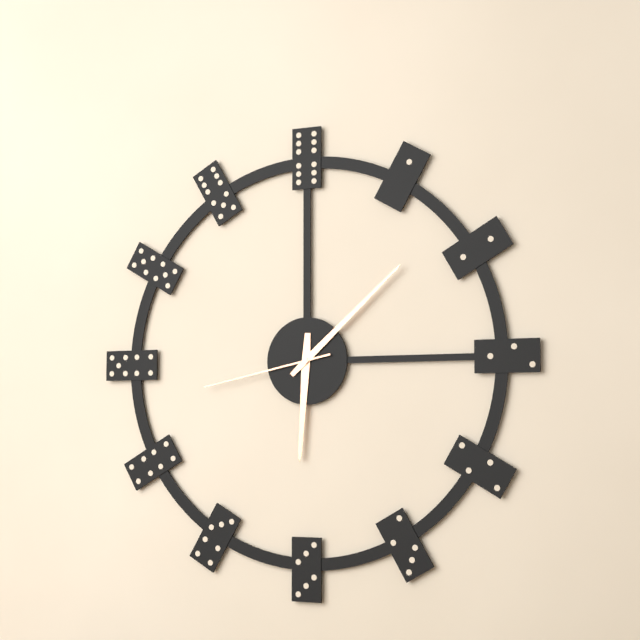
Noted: **6:08:43**
